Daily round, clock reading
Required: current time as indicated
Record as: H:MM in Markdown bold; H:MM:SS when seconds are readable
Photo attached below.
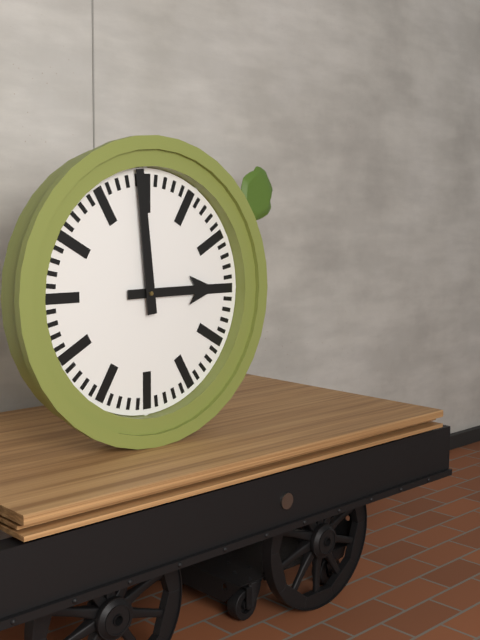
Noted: **2:59**
